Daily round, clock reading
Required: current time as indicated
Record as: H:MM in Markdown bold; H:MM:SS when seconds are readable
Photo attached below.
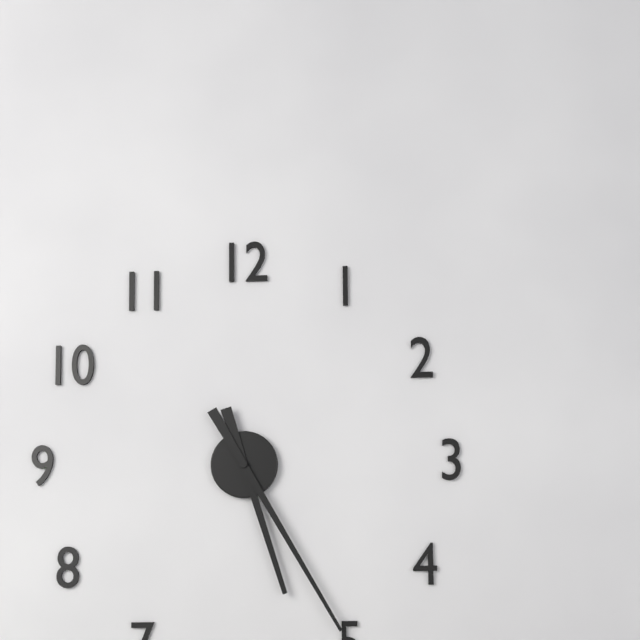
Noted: **5:25**
